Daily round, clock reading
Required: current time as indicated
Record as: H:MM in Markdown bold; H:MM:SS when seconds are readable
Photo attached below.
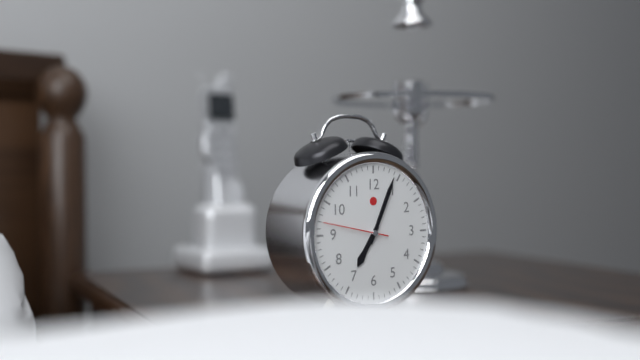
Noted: **7:04:47**
